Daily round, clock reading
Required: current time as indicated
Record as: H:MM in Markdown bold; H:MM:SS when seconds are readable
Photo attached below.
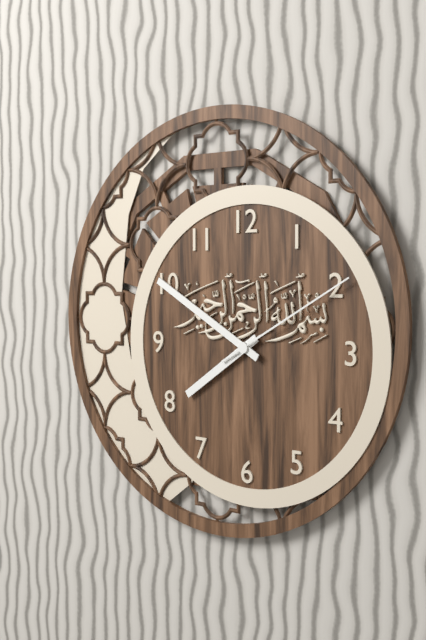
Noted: **7:50:10**
